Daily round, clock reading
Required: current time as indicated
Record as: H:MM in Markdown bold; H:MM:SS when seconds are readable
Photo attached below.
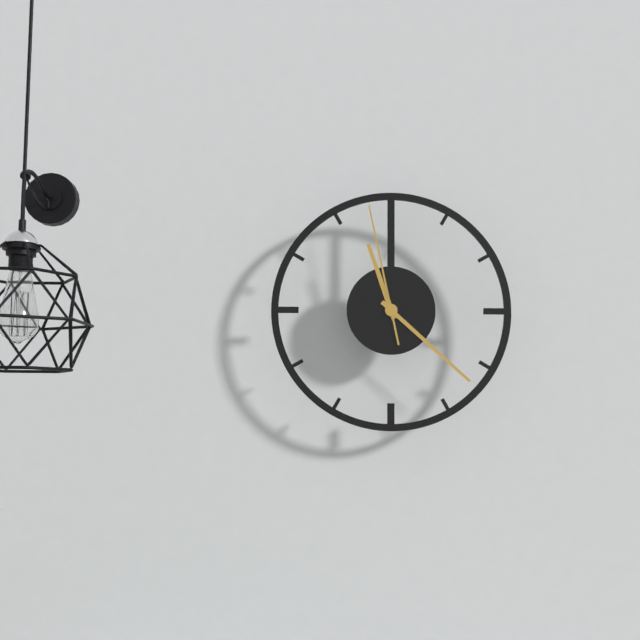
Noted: **11:22:58**
